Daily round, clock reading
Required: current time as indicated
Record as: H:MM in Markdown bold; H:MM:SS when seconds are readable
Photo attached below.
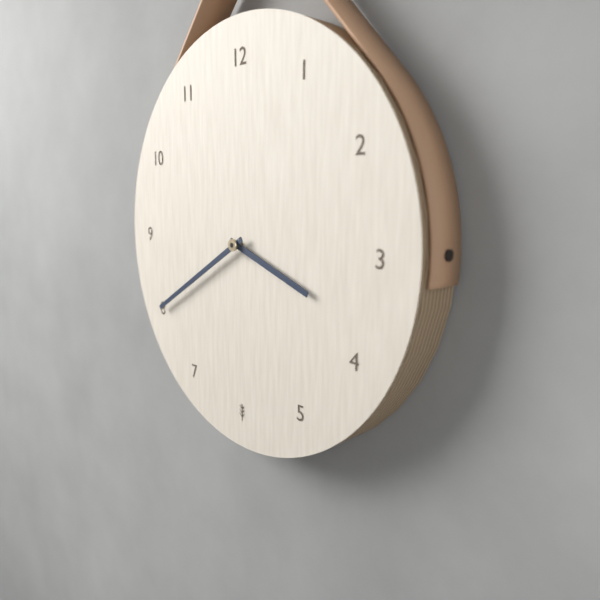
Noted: **3:40**
